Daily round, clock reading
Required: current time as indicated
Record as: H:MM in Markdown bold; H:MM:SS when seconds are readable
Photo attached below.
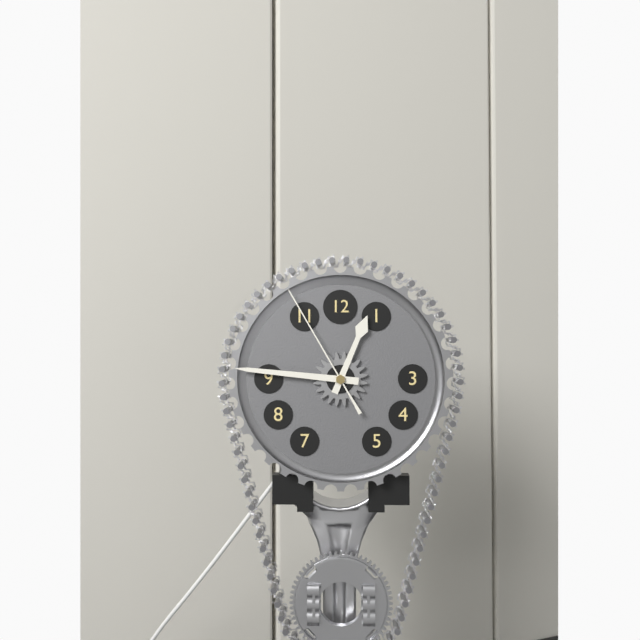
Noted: **12:46:55**
